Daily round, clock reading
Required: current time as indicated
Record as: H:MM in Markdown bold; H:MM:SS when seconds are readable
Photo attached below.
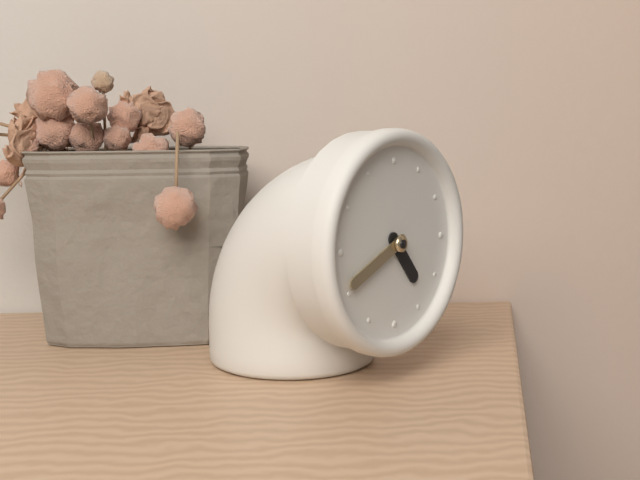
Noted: **4:41**
